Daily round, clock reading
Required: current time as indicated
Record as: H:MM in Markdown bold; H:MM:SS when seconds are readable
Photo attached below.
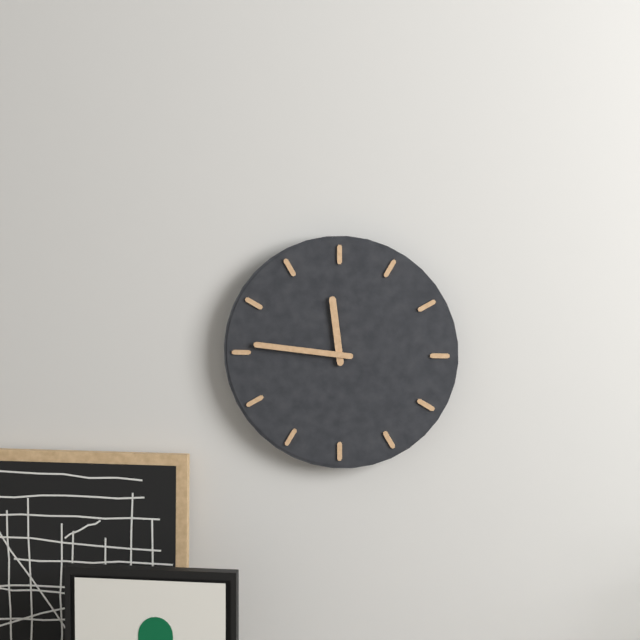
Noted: **11:46**
